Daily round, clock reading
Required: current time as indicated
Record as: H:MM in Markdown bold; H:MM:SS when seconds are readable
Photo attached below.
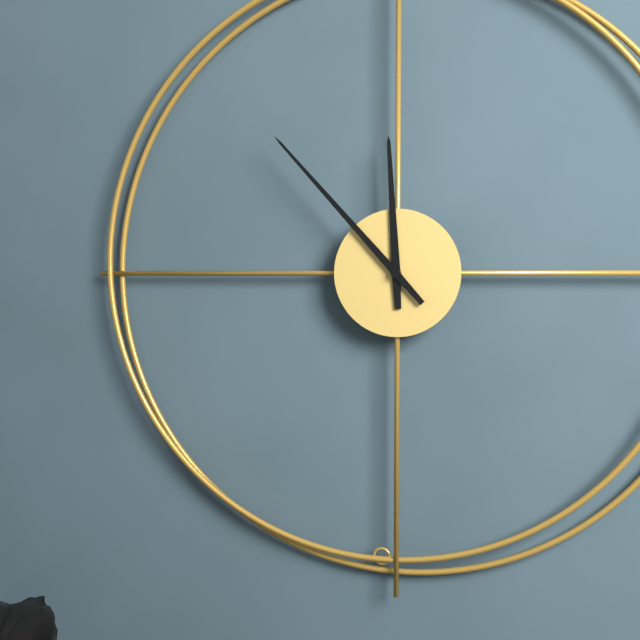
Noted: **11:53**
